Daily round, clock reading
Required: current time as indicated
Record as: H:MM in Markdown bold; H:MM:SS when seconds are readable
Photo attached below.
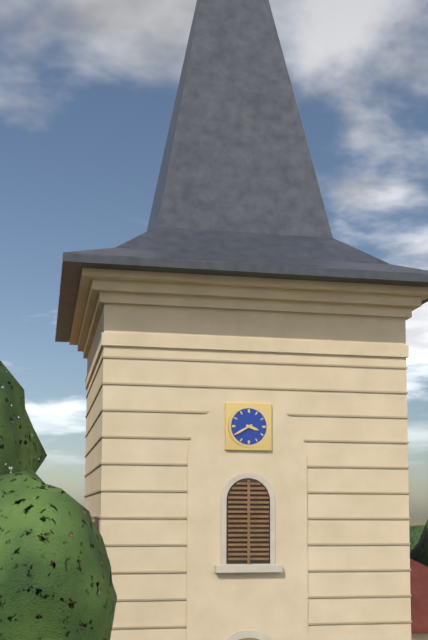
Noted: **3:40**
